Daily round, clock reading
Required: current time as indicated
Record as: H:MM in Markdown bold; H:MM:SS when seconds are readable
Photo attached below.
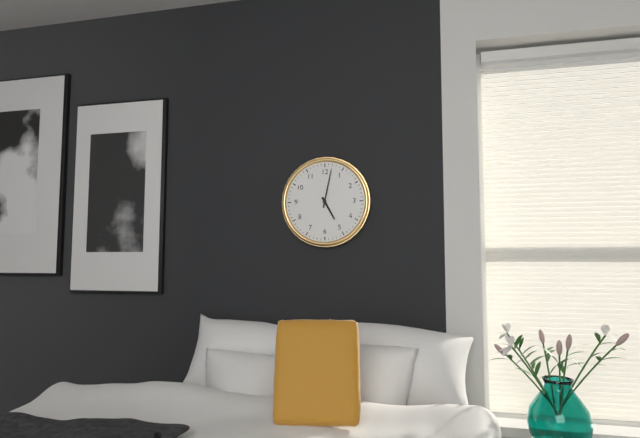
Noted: **5:02**
